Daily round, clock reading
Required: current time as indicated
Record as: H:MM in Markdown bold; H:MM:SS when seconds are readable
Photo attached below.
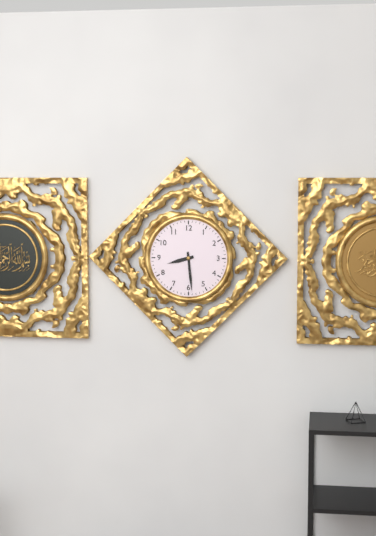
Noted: **8:29**
